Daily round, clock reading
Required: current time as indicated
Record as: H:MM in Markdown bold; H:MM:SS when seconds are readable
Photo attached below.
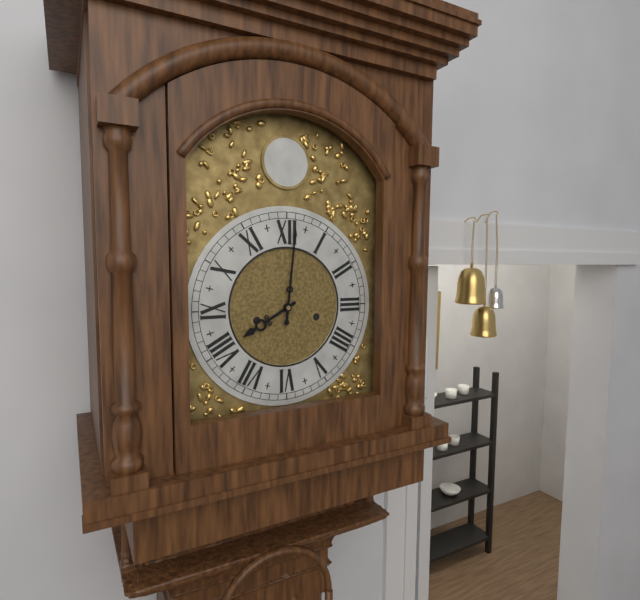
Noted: **8:01**
